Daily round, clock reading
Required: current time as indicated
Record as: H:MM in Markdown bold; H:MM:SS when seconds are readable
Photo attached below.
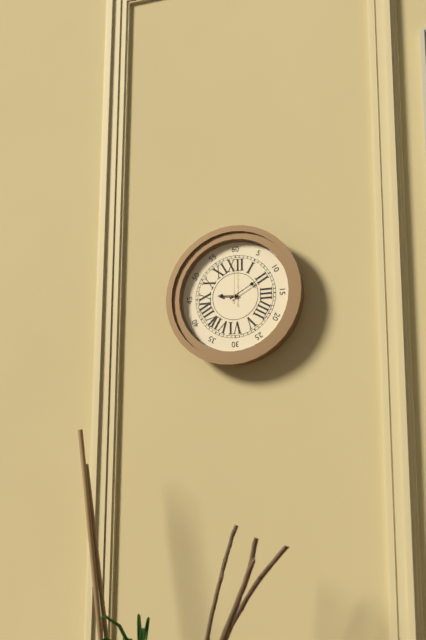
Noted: **9:10**
